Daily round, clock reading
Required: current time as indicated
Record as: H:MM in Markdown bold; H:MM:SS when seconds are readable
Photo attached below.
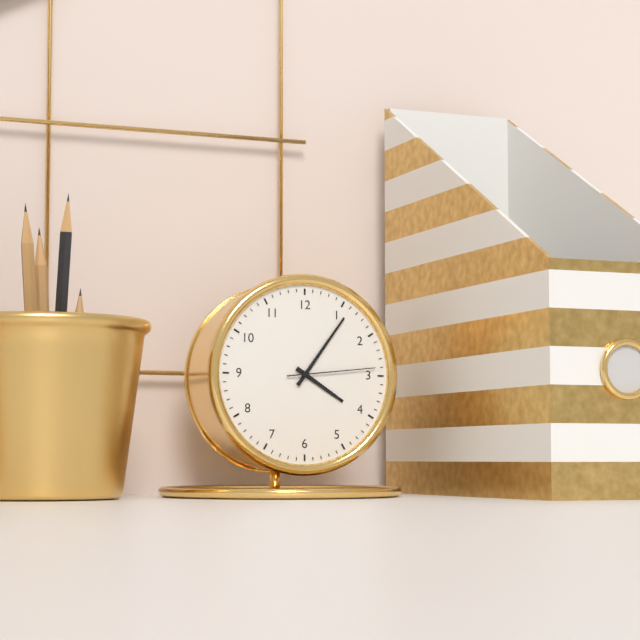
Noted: **4:06:14**
